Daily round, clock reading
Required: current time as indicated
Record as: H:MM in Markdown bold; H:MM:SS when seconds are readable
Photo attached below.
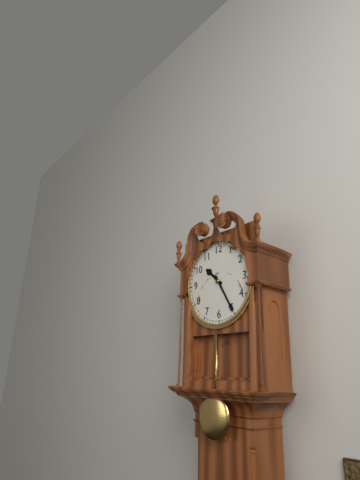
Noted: **10:25**
